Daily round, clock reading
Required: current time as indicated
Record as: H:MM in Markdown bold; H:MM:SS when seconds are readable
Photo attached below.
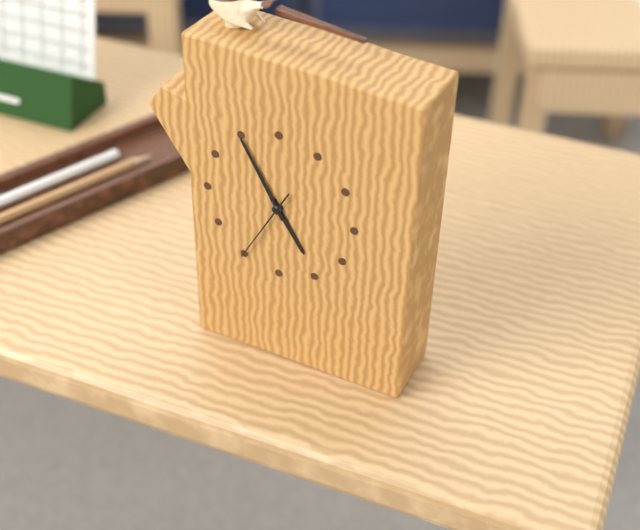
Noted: **4:55:35**
